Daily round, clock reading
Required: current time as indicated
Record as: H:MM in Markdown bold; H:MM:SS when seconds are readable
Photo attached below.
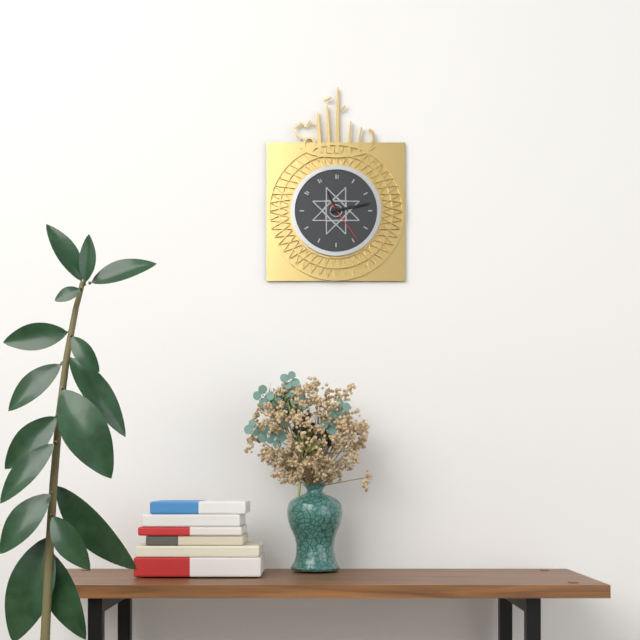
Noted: **11:13**
